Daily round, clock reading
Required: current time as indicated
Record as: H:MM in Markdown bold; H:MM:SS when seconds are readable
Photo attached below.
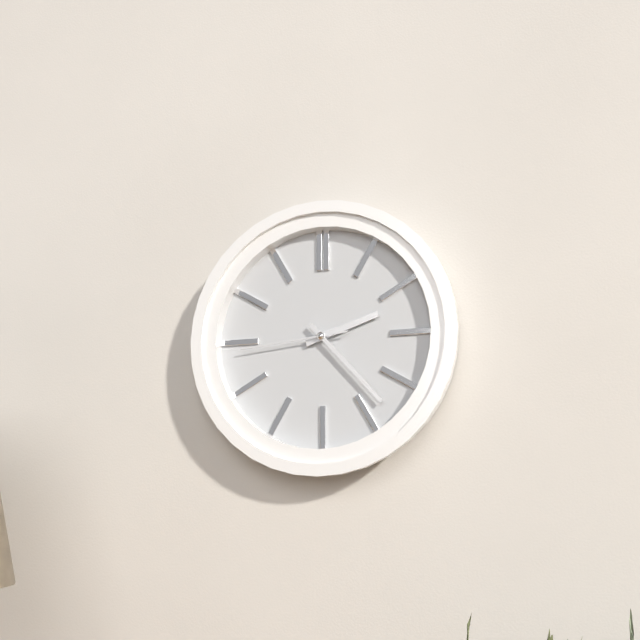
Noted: **2:23:44**
